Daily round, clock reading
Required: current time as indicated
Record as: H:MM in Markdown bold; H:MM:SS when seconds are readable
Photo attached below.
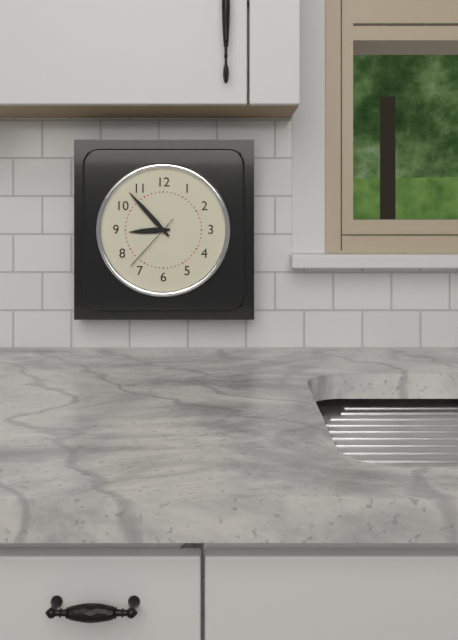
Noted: **8:53:37**
